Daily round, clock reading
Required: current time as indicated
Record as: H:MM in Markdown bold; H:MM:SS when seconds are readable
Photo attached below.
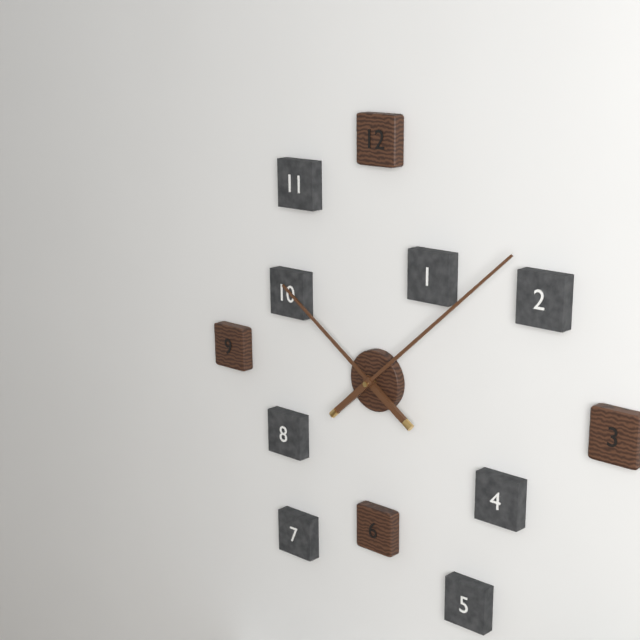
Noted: **10:08**
